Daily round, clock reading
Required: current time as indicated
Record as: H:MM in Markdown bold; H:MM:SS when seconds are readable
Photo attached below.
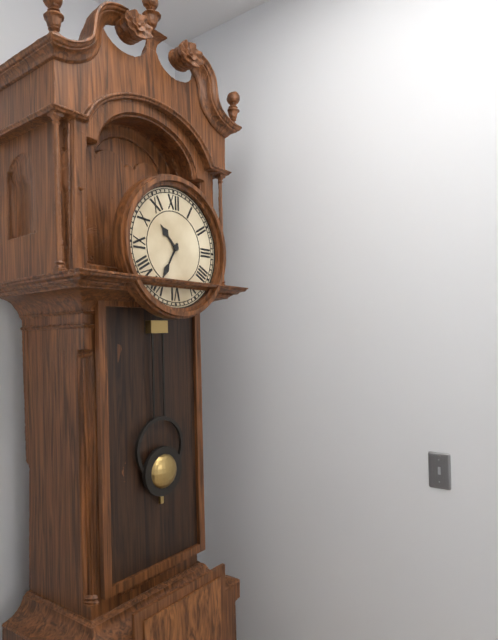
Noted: **10:35**
